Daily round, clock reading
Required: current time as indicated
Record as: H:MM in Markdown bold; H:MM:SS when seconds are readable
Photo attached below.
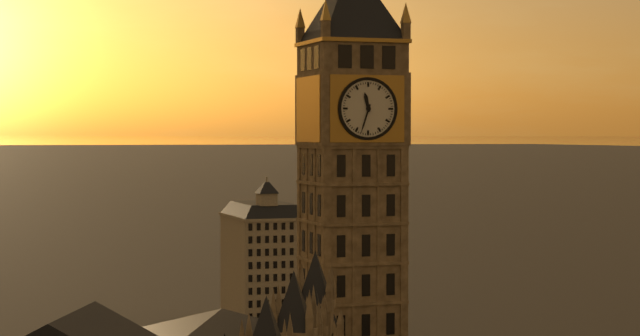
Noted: **11:33**
